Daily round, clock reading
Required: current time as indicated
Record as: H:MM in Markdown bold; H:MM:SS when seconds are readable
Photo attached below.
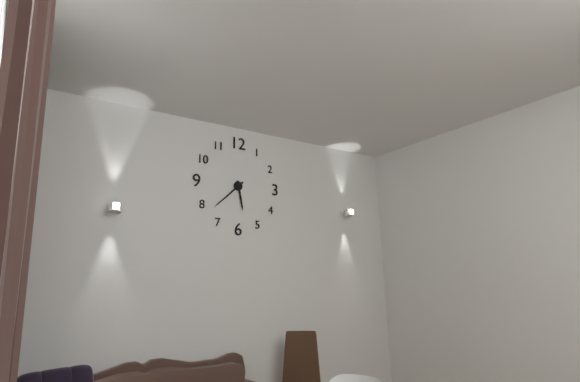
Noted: **5:38**
